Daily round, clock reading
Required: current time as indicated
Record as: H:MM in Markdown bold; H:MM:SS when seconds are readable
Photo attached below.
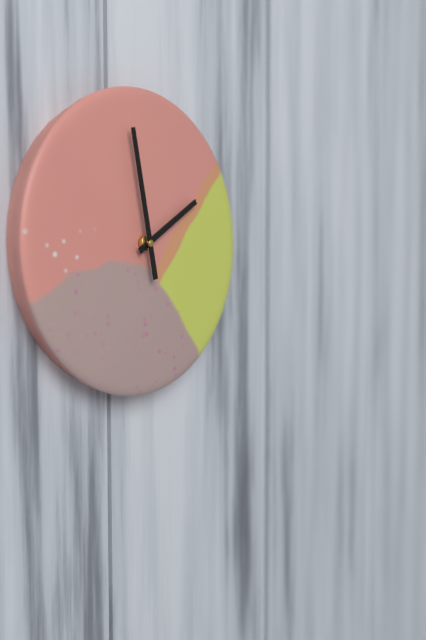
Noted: **1:58**
